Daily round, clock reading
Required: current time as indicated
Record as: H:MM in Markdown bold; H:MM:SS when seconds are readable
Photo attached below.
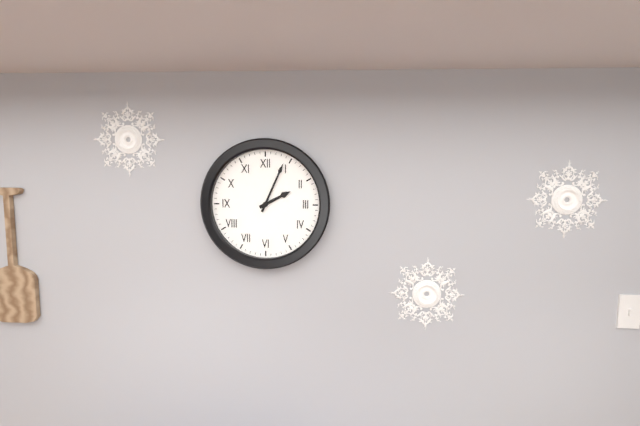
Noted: **2:04**
